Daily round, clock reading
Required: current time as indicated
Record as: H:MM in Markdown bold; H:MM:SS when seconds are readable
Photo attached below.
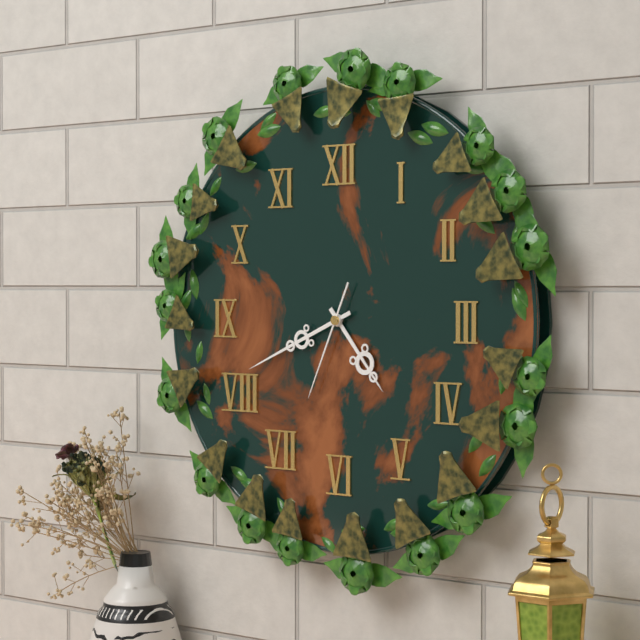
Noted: **4:41:34**
